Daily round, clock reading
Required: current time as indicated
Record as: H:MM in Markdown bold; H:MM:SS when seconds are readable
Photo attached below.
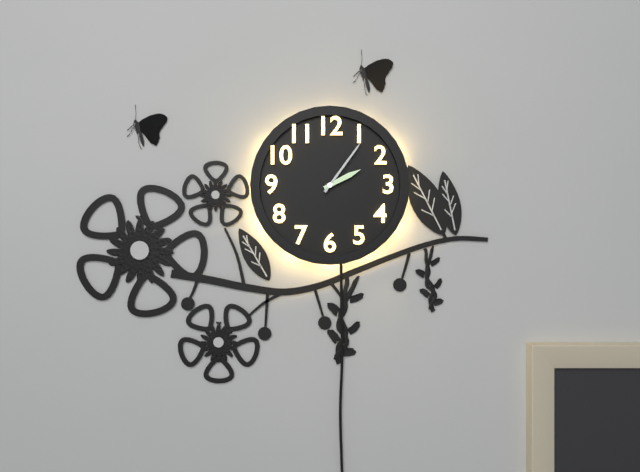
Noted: **2:06**
